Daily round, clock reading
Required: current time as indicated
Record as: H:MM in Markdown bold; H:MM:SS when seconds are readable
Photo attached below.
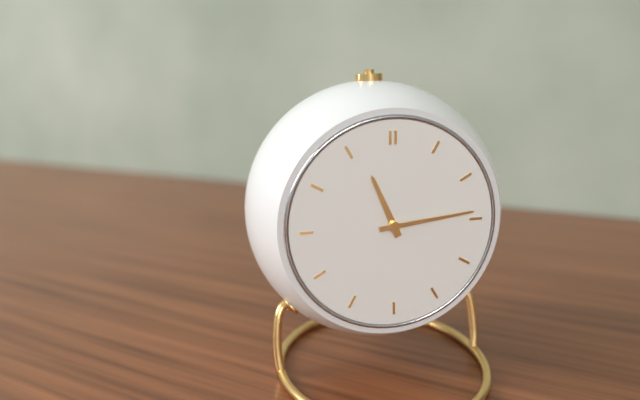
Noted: **11:14**
